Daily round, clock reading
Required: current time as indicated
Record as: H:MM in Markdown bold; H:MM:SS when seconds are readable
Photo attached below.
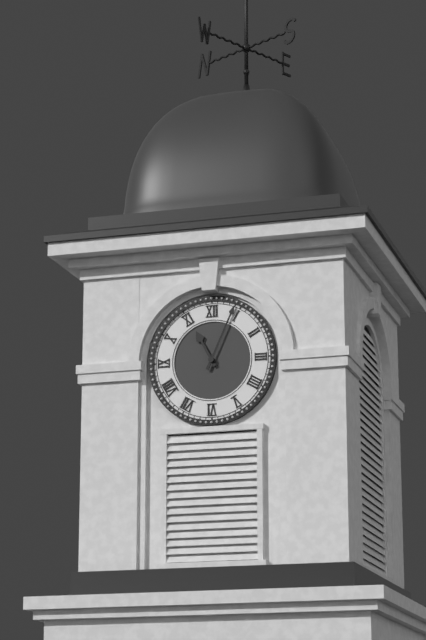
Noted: **11:04**
